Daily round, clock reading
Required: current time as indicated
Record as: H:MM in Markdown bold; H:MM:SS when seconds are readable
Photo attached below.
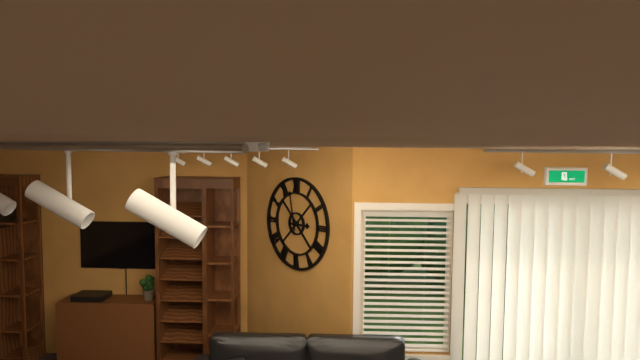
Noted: **2:58**
